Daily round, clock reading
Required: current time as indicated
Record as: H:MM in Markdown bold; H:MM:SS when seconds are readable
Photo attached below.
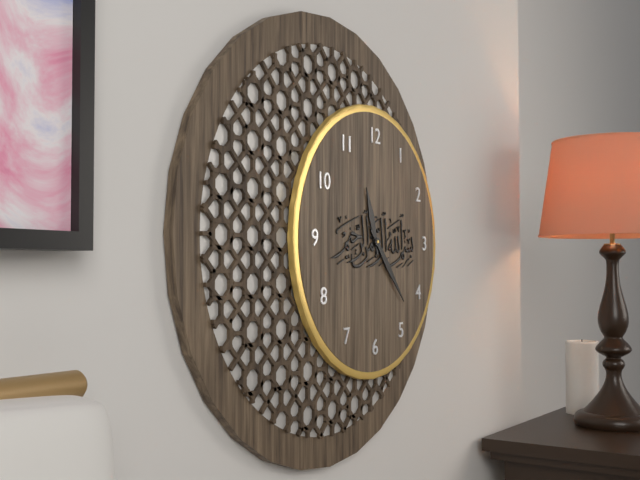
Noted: **11:23**
